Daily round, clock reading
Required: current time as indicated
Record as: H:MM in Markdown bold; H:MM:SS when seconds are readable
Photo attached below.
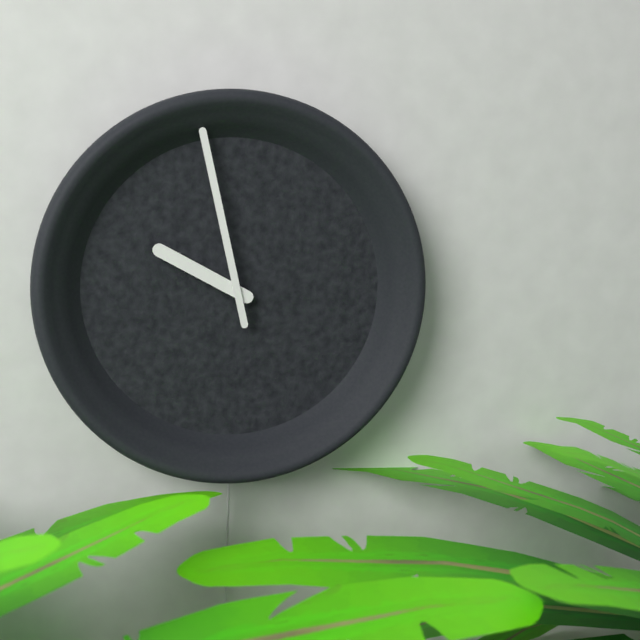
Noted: **9:58**
